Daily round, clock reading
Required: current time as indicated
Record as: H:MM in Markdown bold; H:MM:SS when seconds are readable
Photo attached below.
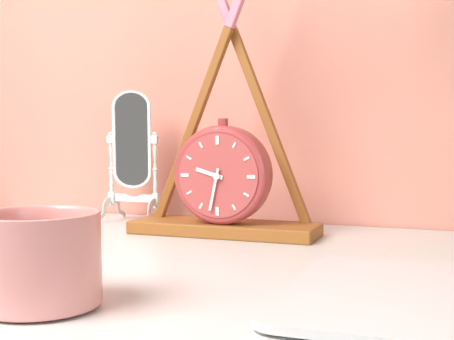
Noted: **9:32**
